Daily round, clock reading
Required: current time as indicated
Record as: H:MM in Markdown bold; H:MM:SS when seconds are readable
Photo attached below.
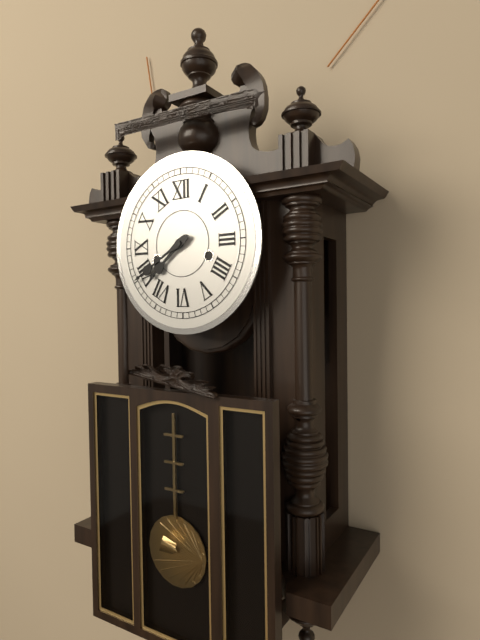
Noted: **7:40**
